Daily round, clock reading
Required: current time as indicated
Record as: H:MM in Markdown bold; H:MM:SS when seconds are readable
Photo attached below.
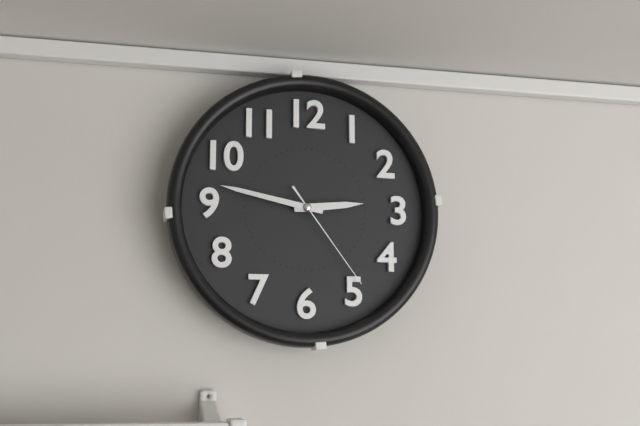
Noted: **2:47:24**
